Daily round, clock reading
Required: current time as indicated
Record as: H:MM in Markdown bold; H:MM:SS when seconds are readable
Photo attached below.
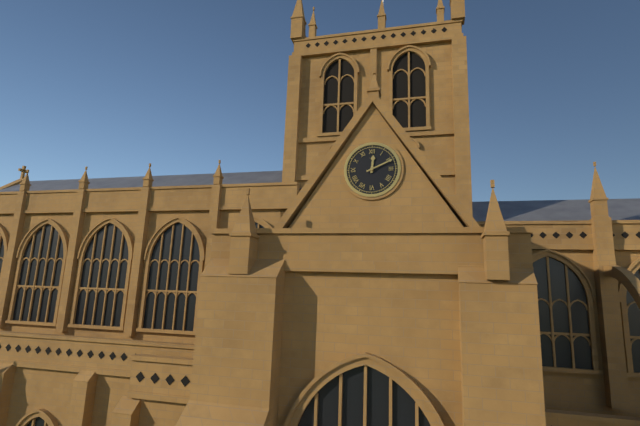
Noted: **12:11**
